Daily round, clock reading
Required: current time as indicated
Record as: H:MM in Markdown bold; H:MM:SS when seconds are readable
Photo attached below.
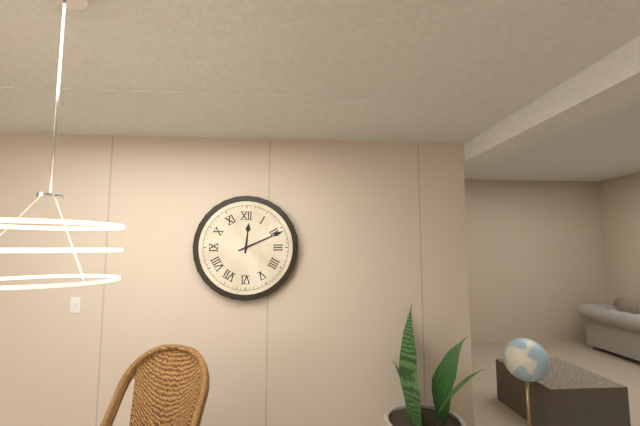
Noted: **12:11**
